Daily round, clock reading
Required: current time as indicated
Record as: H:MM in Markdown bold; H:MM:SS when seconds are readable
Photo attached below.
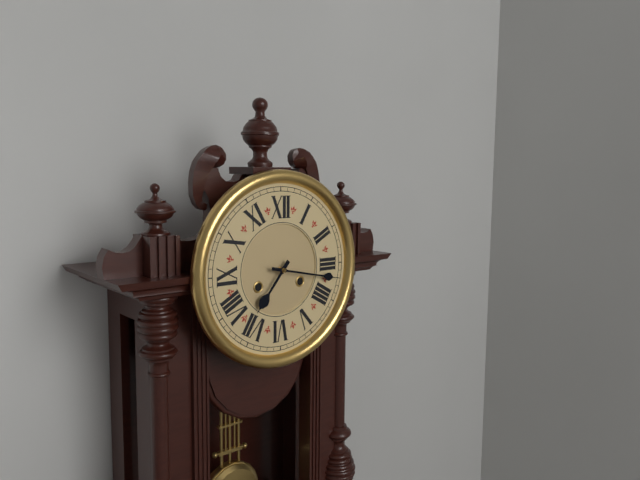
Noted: **7:17**
